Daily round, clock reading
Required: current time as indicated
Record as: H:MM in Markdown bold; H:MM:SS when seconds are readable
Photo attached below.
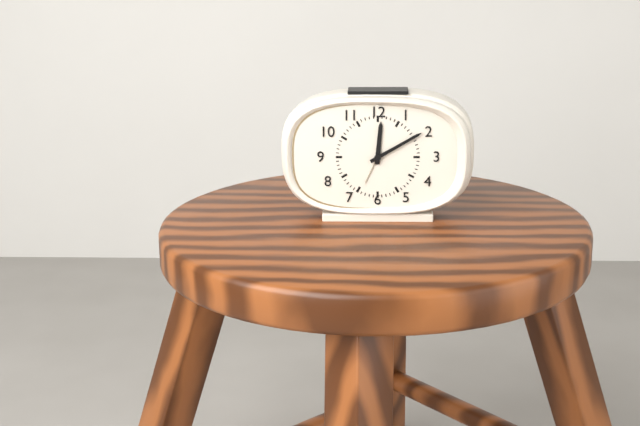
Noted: **12:10**
